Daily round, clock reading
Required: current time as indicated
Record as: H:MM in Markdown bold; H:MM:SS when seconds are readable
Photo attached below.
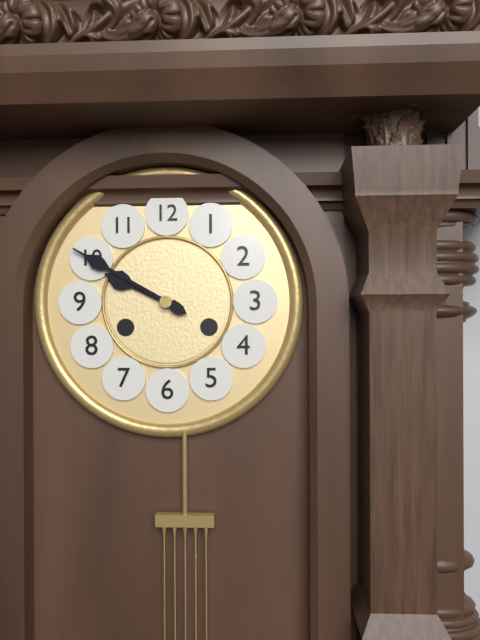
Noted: **9:50**
